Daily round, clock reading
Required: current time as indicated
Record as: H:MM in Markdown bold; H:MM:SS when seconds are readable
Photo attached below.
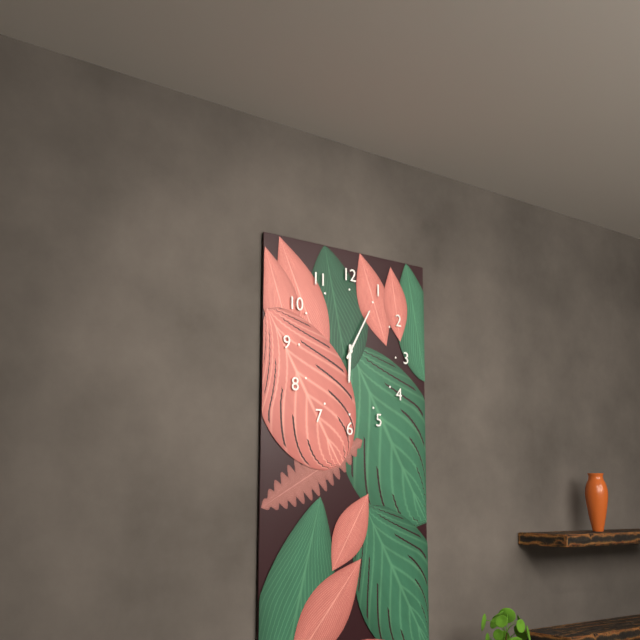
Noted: **6:05**
